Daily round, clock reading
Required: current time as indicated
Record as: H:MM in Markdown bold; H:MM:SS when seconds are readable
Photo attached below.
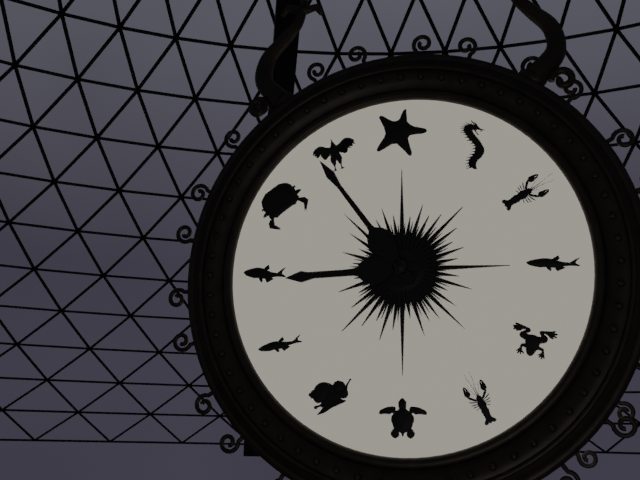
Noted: **8:54**
